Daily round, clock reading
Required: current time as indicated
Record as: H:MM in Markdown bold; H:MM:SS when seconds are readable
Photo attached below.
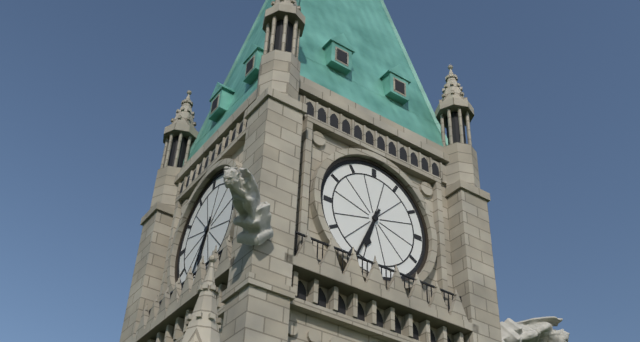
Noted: **6:34**
